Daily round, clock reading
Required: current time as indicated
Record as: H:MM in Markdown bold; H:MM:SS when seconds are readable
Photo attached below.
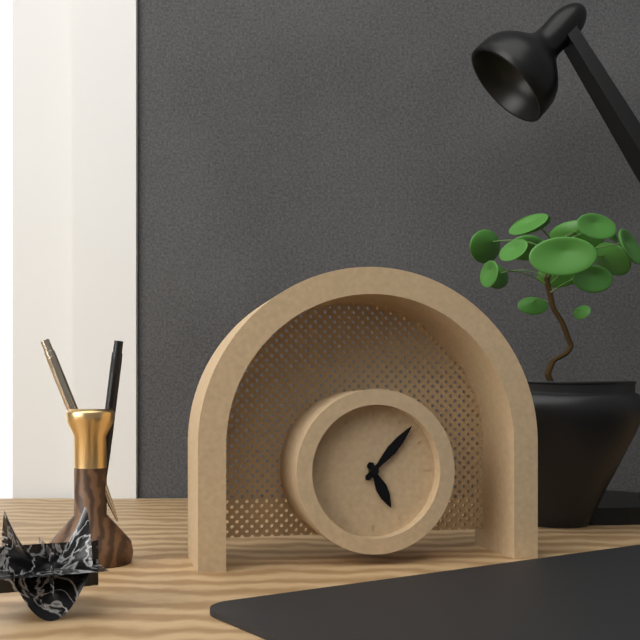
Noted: **5:07**
